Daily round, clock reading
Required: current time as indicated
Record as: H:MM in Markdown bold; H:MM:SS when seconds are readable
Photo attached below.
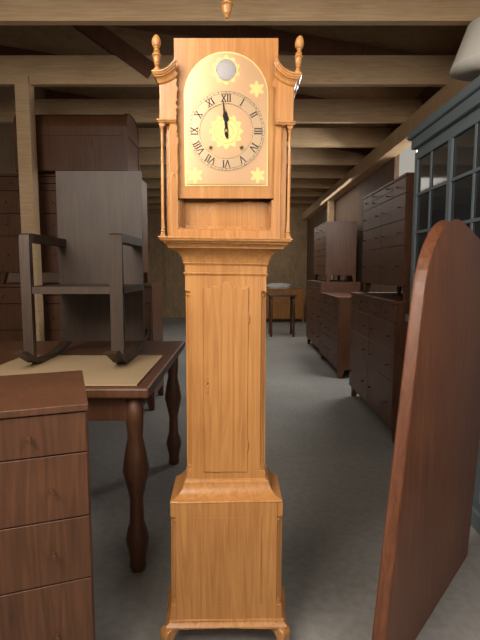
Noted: **11:59**
